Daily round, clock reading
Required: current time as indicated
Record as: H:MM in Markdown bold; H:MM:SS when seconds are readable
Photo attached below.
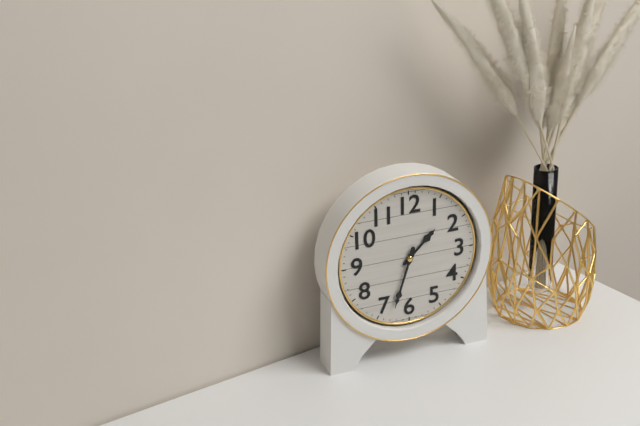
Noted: **1:33**
